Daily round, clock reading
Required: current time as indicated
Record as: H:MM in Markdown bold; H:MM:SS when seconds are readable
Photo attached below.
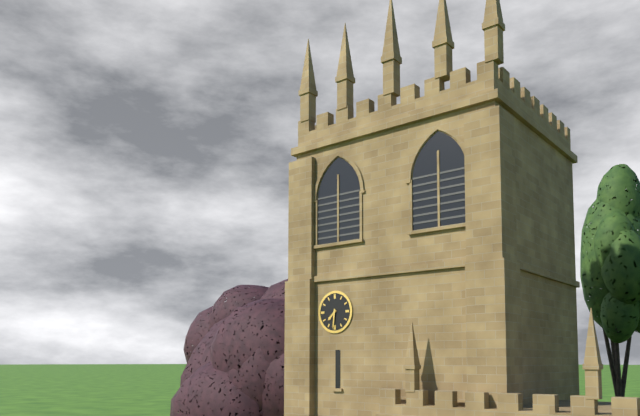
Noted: **7:31**
